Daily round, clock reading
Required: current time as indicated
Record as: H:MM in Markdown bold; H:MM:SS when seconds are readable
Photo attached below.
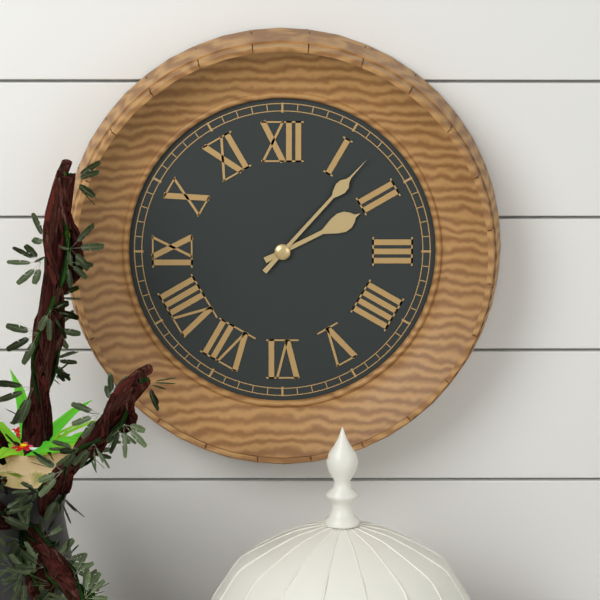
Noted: **2:07**
